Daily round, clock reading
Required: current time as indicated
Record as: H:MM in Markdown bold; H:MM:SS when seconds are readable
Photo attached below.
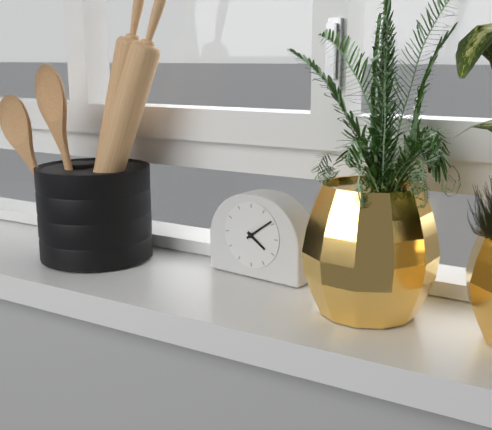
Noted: **4:09**
